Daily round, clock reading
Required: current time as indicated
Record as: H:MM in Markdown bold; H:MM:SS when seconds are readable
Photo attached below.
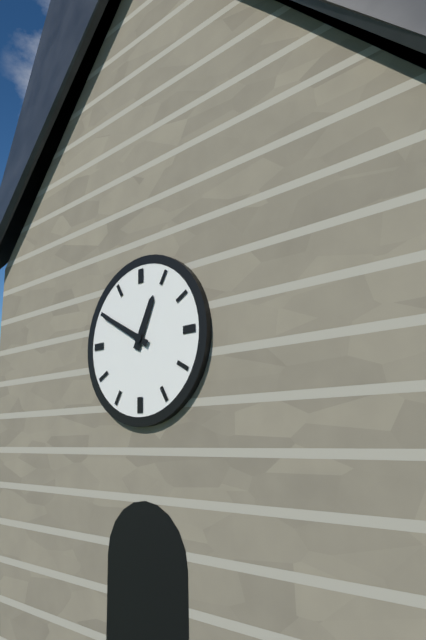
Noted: **12:50**
